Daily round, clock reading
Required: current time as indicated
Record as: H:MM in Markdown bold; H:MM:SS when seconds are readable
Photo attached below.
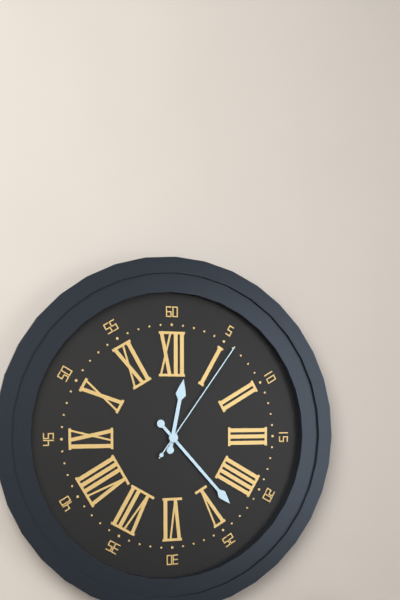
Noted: **12:23:06**
